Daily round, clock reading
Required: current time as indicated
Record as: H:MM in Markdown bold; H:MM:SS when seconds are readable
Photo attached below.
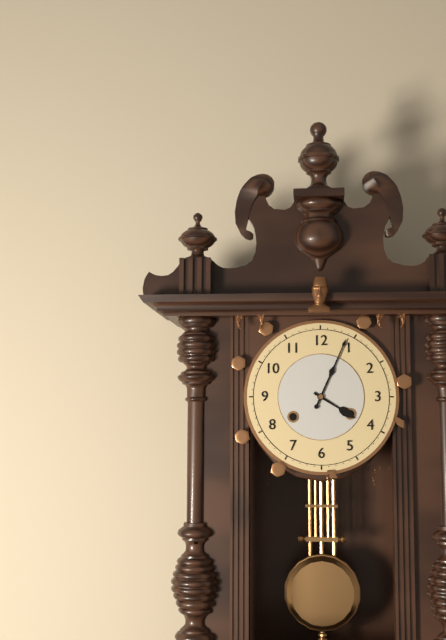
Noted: **4:04**
